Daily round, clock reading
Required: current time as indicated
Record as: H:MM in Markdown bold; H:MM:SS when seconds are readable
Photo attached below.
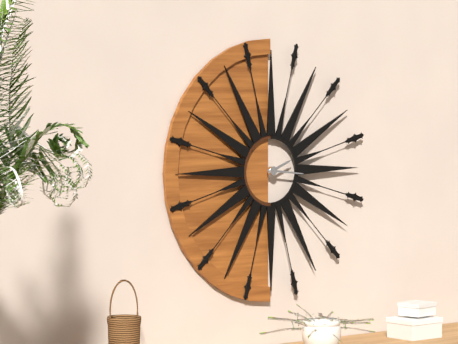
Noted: **2:16**
